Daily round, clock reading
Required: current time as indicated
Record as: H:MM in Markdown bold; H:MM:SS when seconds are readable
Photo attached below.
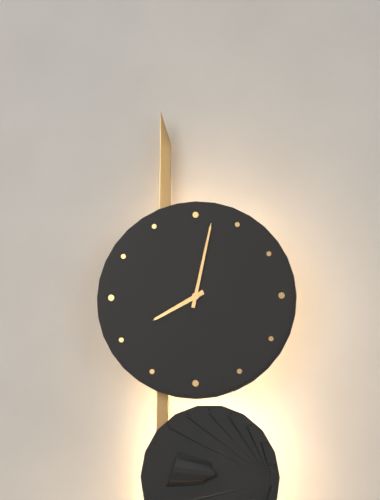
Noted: **8:02**
